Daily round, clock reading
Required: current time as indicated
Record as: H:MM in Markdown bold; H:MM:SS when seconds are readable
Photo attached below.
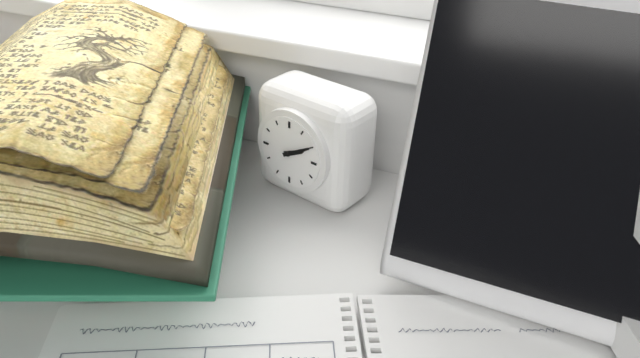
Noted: **2:10**
